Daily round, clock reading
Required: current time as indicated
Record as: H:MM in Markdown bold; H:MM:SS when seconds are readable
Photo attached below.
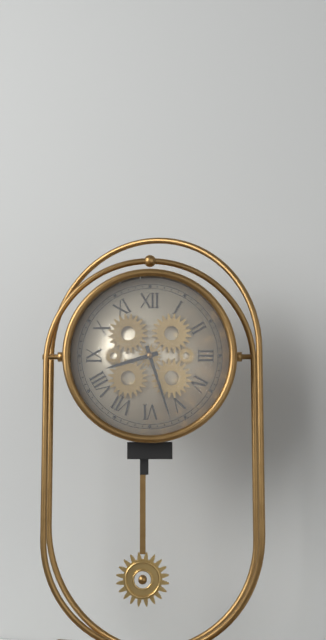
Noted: **8:27**
